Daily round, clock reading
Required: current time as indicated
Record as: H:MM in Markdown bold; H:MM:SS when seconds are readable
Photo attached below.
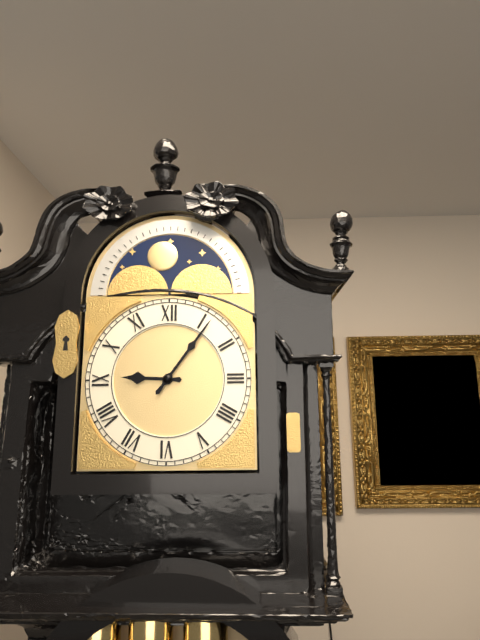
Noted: **9:06**
